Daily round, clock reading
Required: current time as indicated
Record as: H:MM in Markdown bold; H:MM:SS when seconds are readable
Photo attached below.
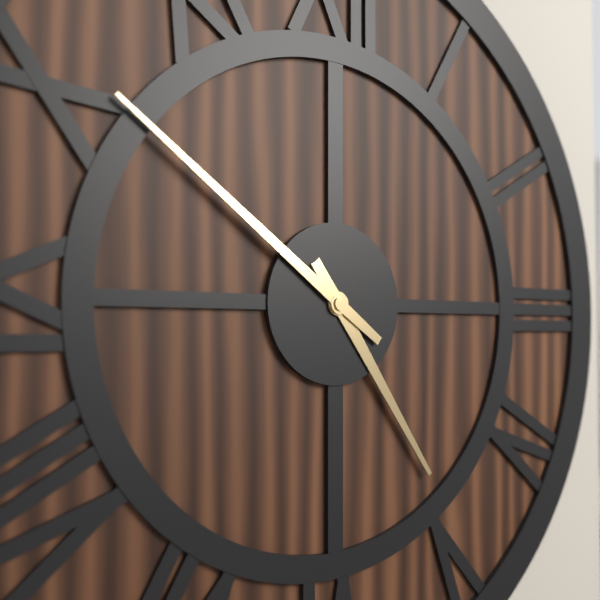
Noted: **4:51**
